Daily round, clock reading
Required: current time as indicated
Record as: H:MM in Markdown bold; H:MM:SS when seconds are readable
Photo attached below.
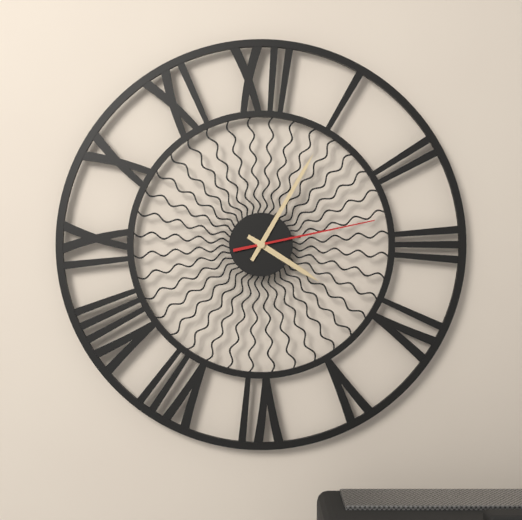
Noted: **4:05:13**
